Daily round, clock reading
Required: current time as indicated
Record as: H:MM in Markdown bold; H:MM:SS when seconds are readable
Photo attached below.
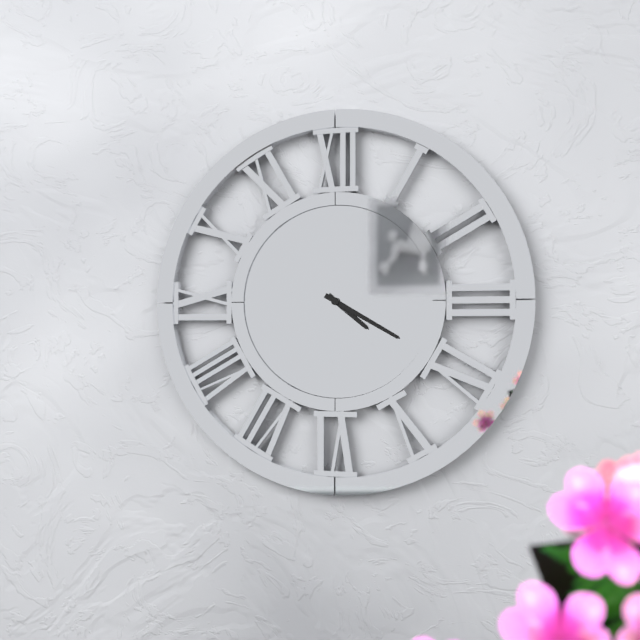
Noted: **4:20**
